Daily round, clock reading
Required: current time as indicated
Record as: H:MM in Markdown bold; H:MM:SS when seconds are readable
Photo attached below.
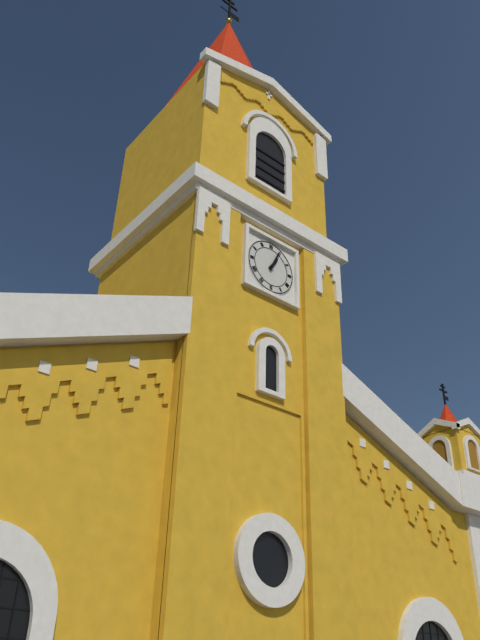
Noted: **1:04**
